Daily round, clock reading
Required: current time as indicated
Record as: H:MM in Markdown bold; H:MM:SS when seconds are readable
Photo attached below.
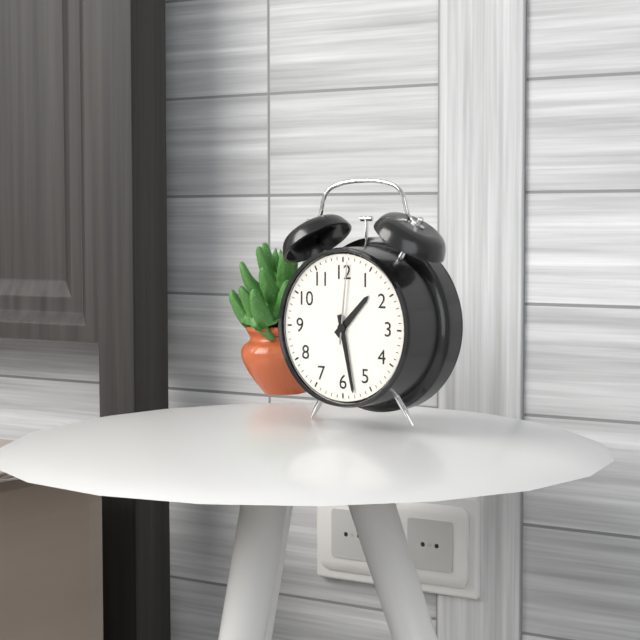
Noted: **1:28:01**
